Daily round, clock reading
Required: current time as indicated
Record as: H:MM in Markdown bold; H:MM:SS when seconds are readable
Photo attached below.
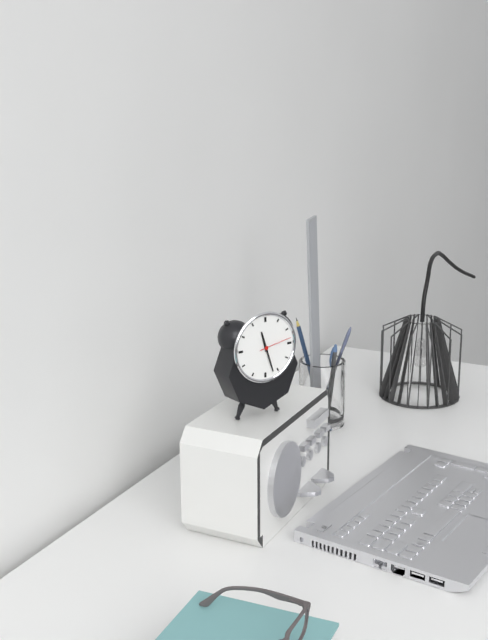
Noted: **11:27**
